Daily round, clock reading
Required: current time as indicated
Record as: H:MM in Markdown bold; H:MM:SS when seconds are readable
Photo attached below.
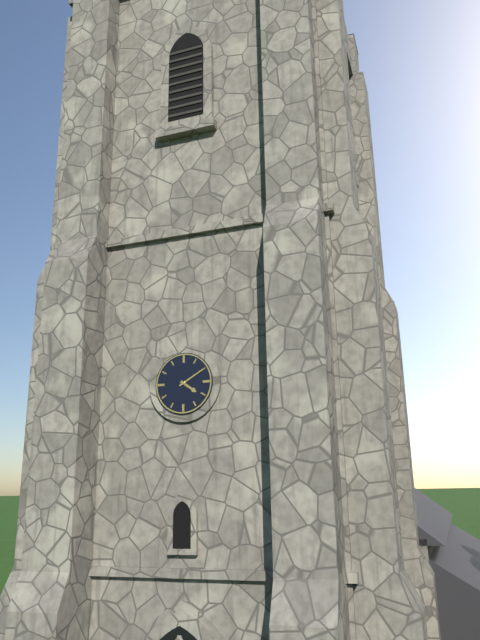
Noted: **4:10**
